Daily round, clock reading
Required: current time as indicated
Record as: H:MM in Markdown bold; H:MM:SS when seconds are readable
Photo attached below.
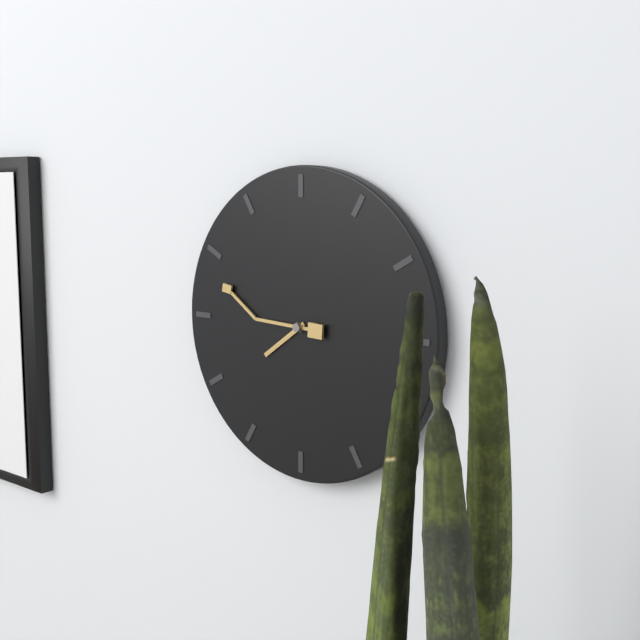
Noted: **7:48**
